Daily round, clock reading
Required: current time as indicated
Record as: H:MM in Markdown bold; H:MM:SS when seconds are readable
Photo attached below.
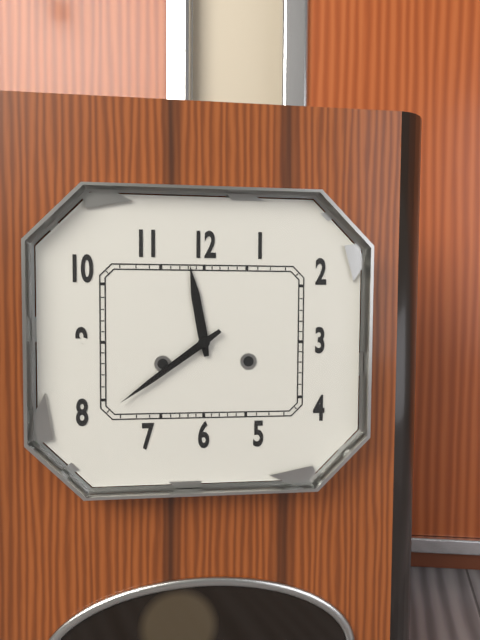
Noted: **11:39**
